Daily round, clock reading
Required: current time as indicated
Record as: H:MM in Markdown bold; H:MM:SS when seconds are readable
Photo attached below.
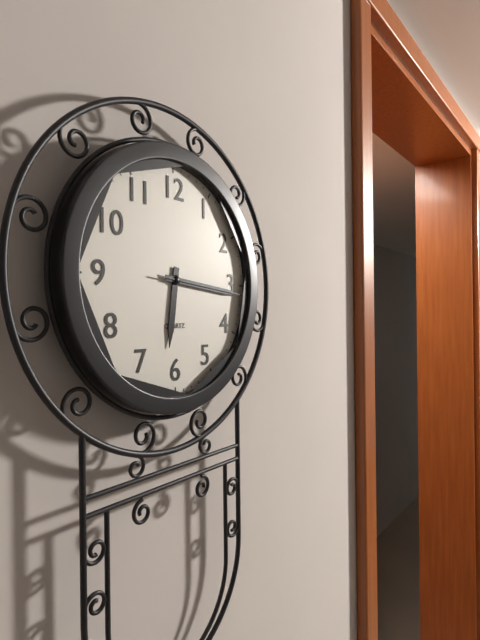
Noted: **6:16:16**
